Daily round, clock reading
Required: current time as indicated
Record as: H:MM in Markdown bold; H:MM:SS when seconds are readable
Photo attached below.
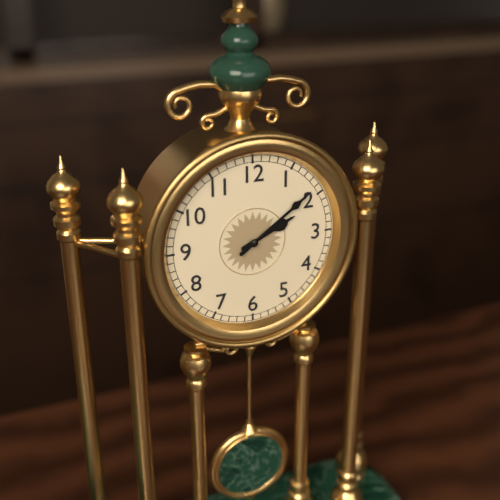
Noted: **2:09**
